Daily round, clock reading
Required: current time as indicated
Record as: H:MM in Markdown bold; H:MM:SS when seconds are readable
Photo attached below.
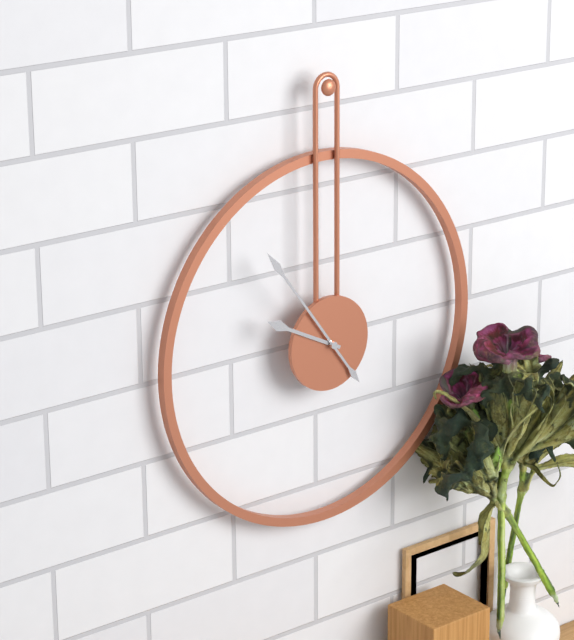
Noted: **9:54**
